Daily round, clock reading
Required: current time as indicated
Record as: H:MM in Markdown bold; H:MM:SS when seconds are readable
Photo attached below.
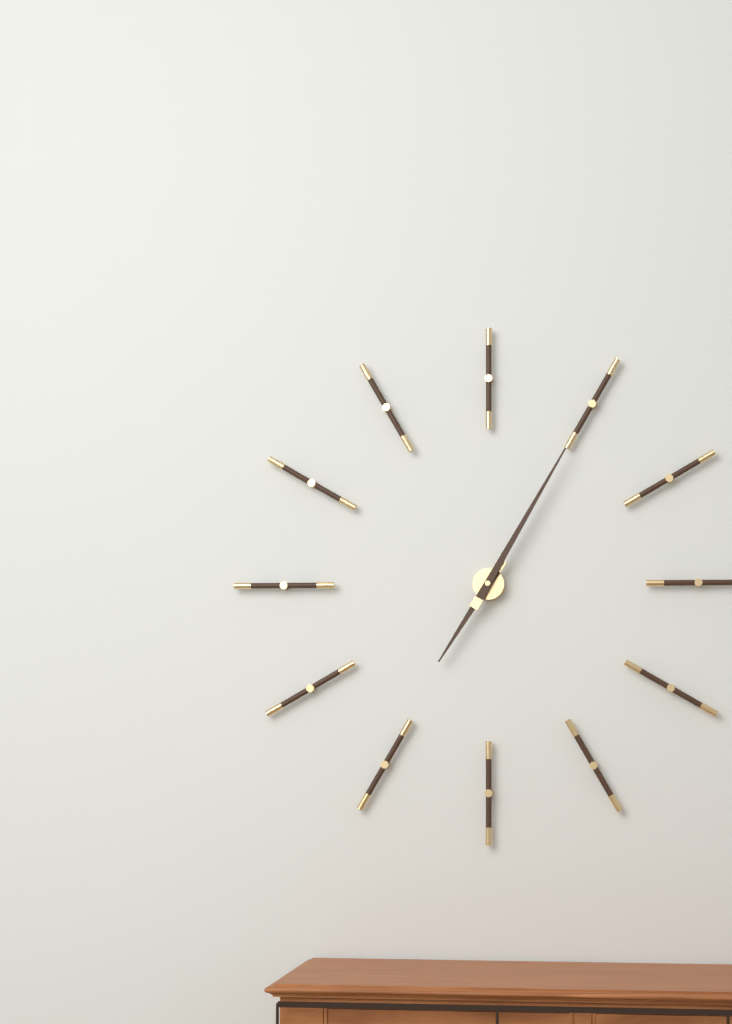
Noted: **7:05**
